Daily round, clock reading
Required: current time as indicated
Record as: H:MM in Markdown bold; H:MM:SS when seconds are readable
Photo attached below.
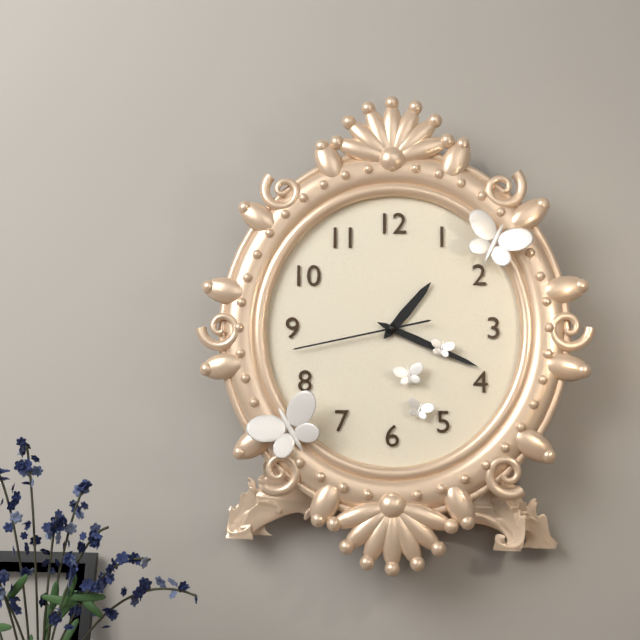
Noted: **1:19:43**
